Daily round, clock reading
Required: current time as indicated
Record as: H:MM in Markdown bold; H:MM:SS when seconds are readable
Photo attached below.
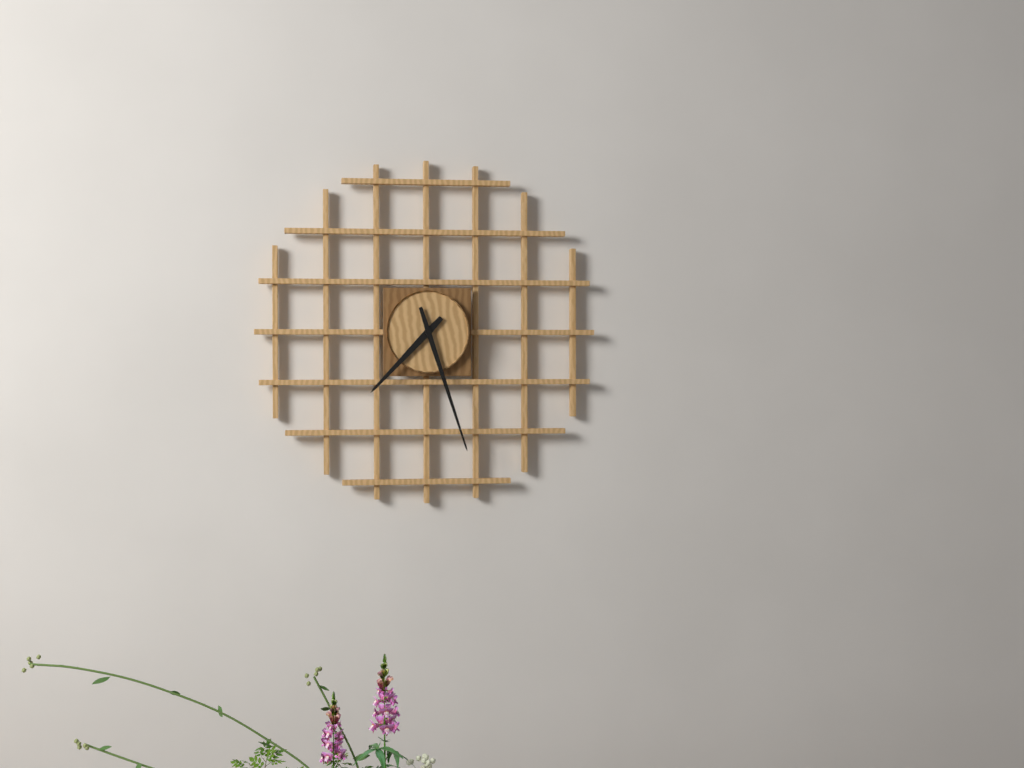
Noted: **7:27**
